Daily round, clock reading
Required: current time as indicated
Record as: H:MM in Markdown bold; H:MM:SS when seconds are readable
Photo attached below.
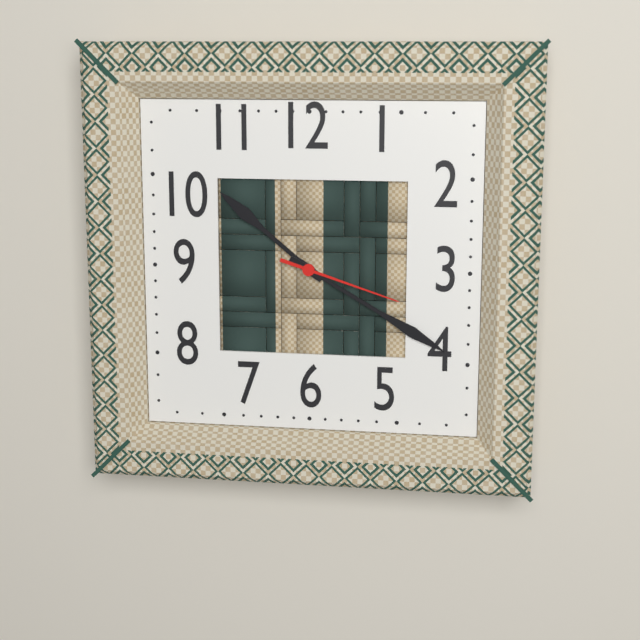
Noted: **10:20:18**
